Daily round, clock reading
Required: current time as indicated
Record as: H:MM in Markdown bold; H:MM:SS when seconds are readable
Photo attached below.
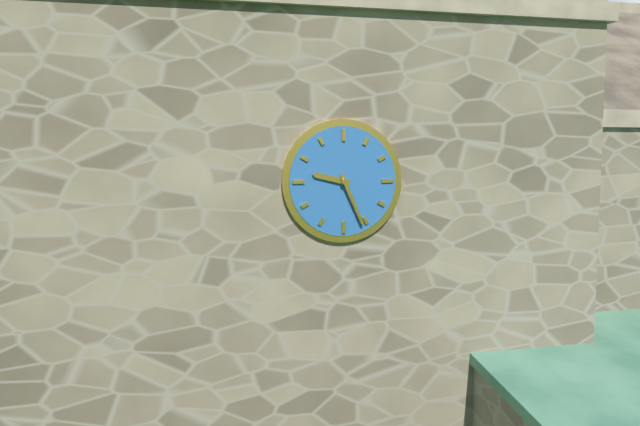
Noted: **9:26**
